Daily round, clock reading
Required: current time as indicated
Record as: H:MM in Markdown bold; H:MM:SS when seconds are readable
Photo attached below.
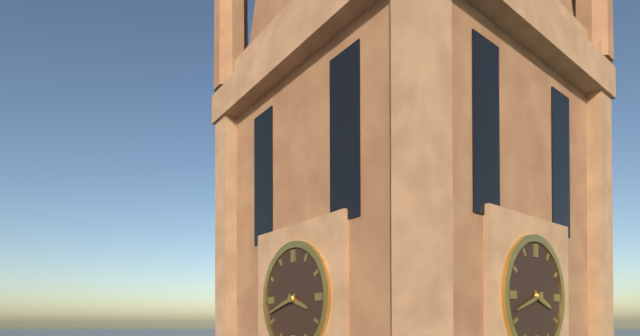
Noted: **3:42**
